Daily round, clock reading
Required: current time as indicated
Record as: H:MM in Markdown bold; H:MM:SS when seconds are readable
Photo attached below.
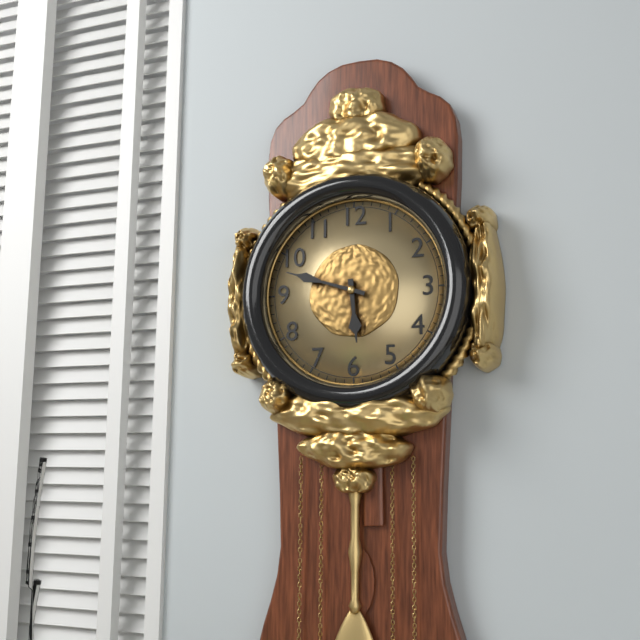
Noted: **5:48**
